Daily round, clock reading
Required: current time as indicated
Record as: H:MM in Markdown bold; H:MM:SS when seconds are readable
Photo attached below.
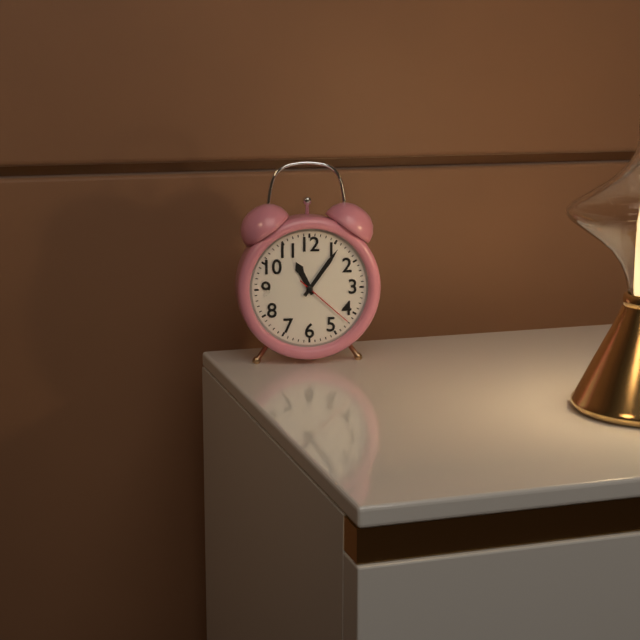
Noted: **11:06:22**
